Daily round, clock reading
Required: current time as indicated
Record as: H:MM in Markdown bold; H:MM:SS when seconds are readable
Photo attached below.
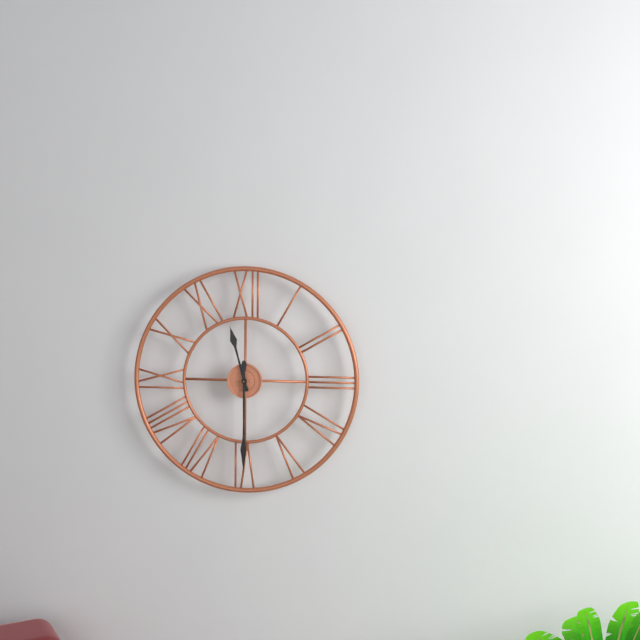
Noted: **11:30**
